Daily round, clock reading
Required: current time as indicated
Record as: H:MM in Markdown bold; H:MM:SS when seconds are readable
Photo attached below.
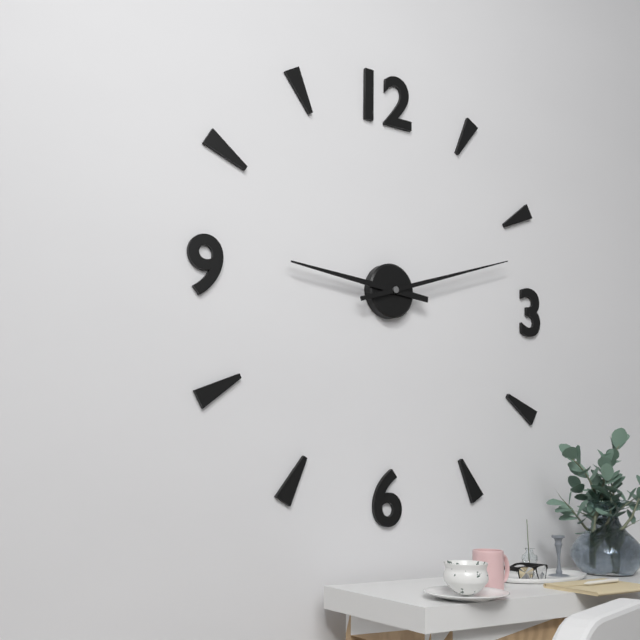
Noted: **9:12**
